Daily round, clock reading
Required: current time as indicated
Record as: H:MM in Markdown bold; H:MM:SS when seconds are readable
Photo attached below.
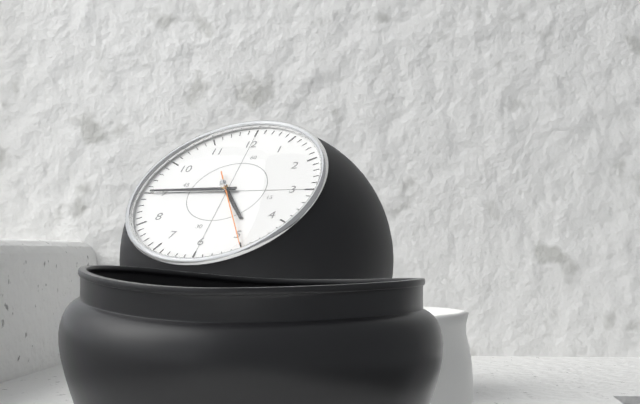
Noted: **4:45**
